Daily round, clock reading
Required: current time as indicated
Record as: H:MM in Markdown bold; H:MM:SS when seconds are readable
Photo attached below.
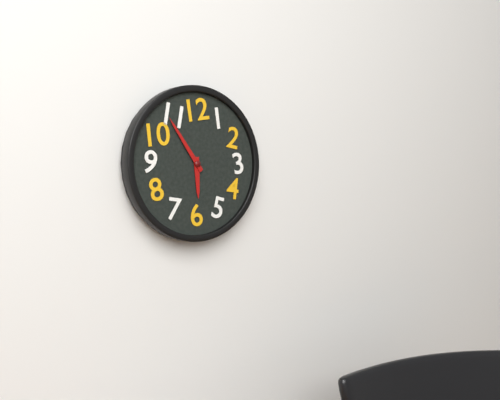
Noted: **5:54**
